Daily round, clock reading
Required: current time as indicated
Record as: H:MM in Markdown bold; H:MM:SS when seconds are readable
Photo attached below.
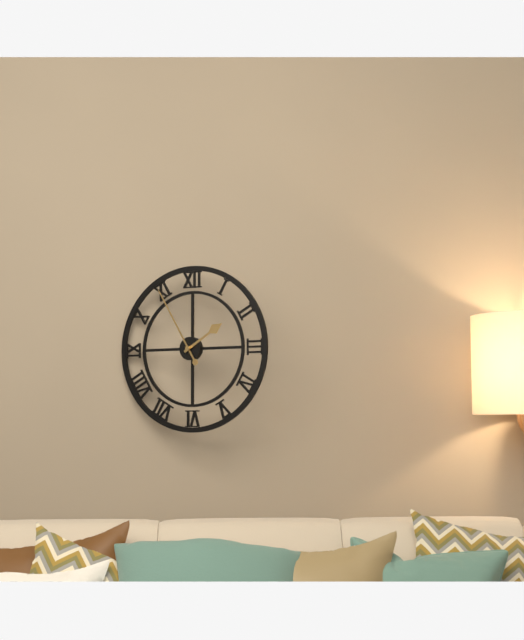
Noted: **1:55**
